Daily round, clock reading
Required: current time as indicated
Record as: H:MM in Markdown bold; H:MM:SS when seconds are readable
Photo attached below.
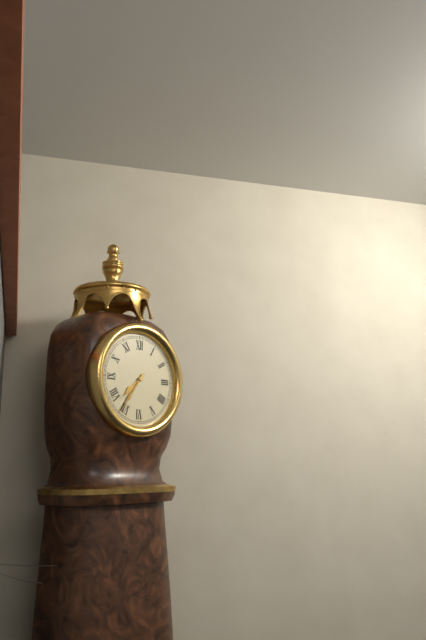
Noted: **7:36**
